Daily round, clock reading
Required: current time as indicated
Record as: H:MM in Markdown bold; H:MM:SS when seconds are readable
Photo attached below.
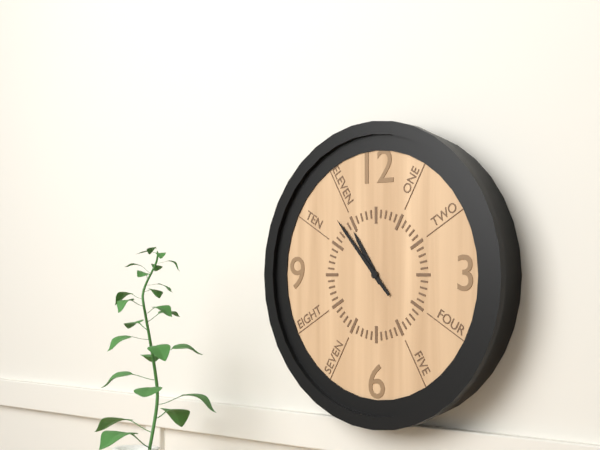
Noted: **10:53**
